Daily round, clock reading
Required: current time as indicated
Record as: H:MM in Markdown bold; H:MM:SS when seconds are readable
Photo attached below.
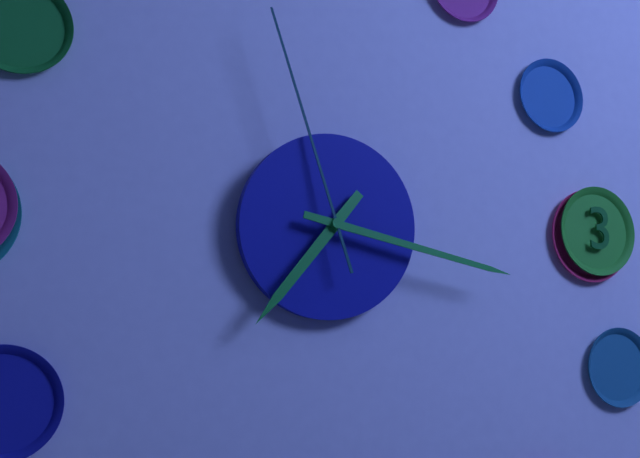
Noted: **7:17:57**
